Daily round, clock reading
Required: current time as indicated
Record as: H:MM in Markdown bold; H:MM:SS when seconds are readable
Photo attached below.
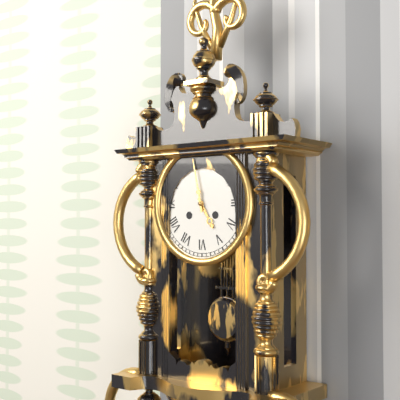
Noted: **4:58**
